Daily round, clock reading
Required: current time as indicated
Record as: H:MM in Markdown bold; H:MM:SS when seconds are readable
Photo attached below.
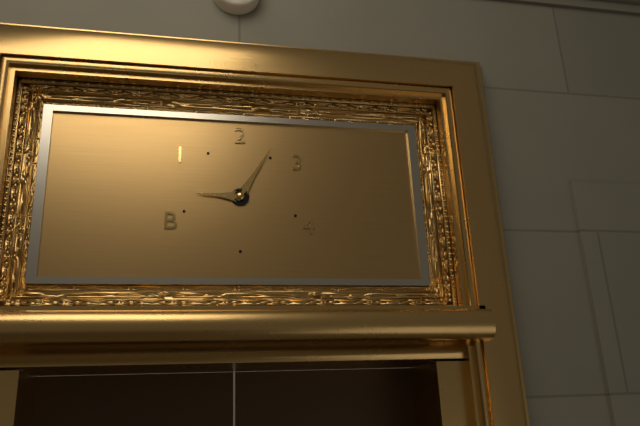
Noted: **9:05**
